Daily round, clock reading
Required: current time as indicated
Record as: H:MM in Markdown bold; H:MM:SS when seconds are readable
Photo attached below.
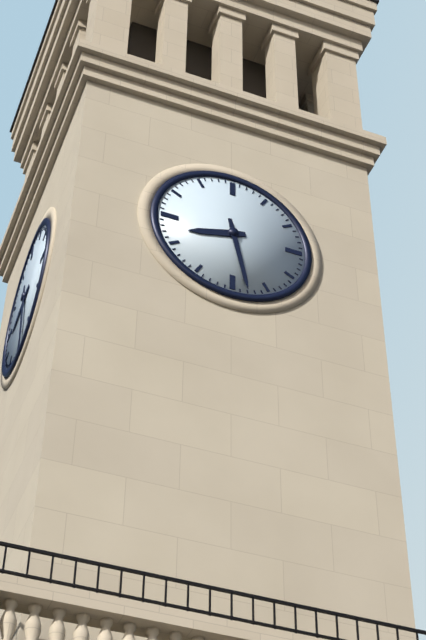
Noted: **8:28**
